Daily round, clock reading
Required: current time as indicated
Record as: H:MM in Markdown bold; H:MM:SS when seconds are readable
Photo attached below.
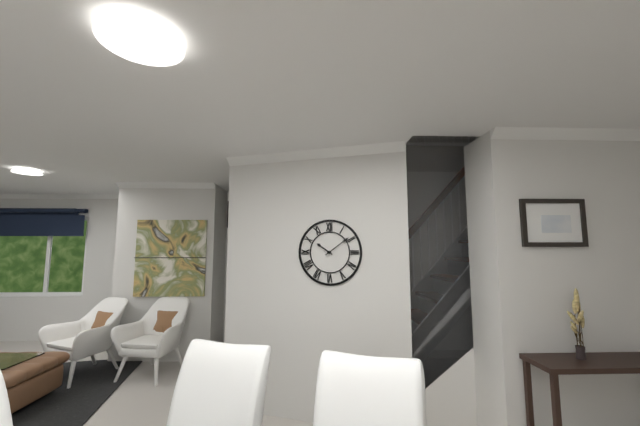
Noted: **10:09**
